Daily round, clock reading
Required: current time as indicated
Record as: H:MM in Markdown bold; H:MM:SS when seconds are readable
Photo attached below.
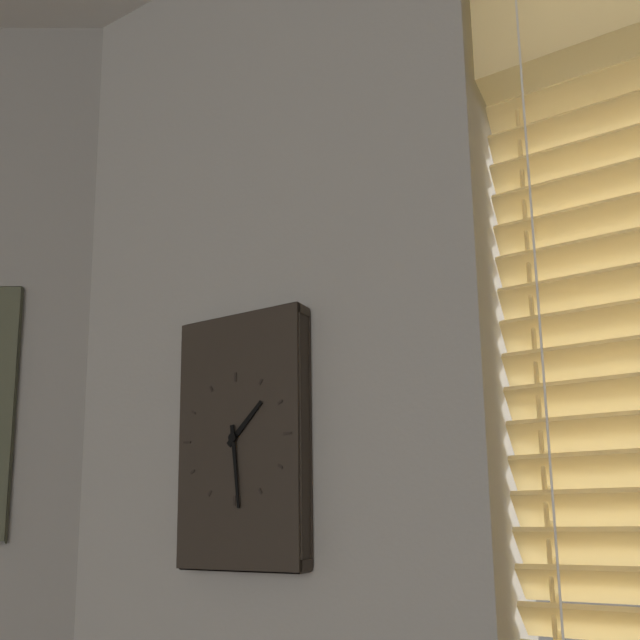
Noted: **1:29**
